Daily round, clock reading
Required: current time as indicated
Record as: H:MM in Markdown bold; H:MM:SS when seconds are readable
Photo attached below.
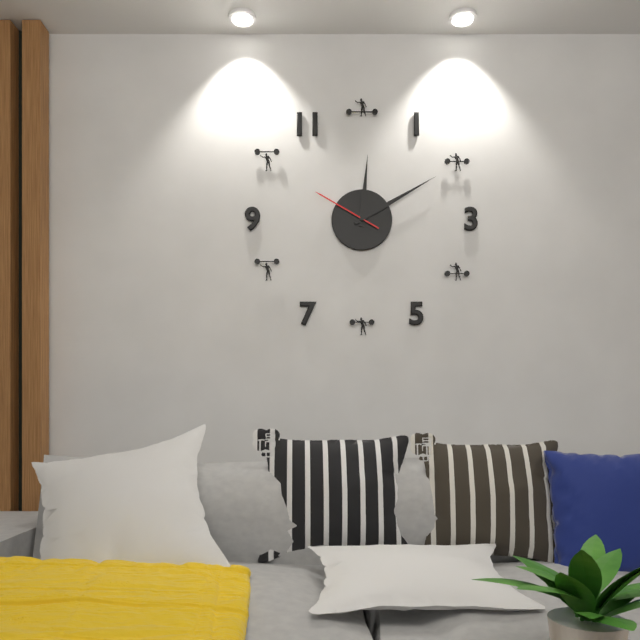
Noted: **12:10:50**
